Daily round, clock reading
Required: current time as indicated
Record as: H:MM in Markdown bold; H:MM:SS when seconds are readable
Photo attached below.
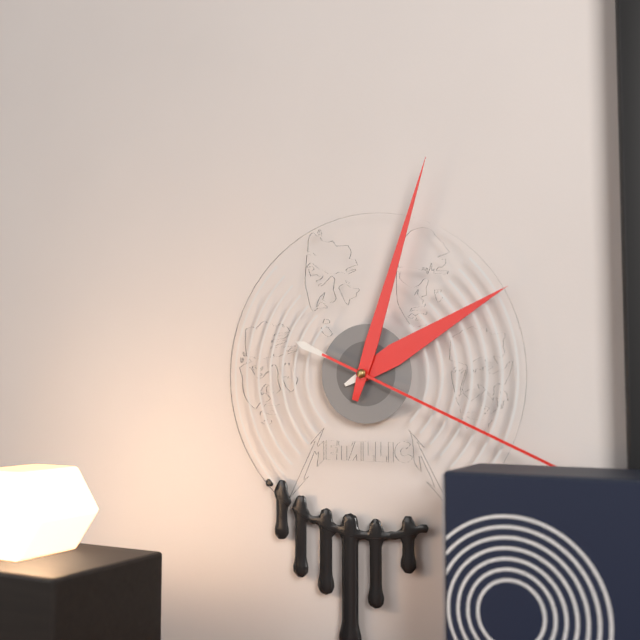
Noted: **2:03:19**
